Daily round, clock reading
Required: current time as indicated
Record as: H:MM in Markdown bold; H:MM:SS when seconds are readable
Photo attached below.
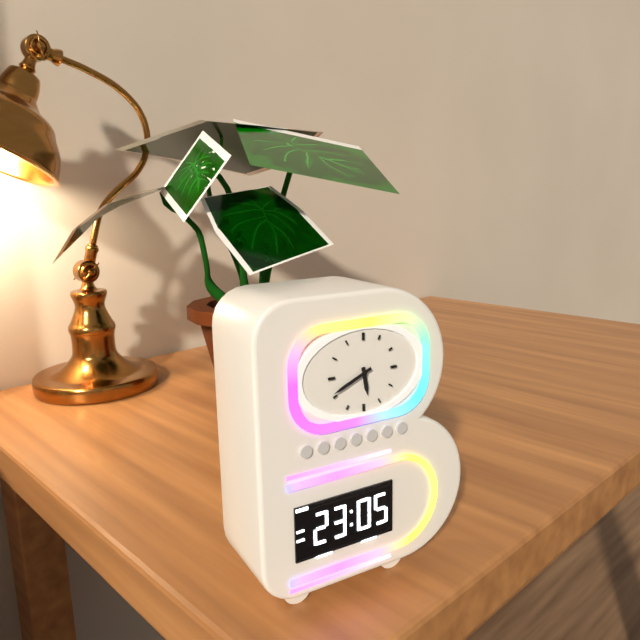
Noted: **5:41**
